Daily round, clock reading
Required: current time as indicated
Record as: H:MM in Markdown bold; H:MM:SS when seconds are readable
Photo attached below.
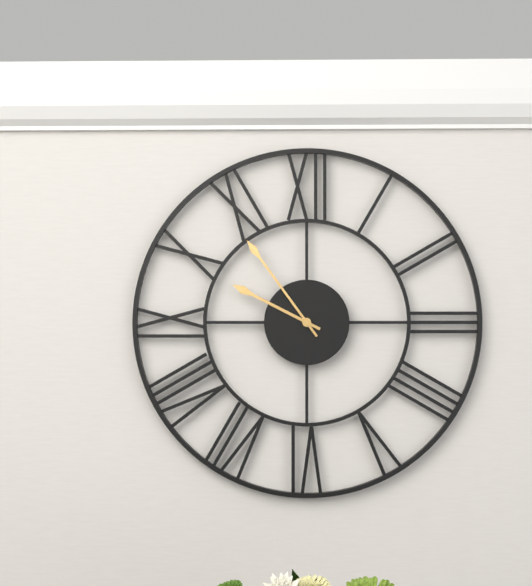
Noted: **9:54**
